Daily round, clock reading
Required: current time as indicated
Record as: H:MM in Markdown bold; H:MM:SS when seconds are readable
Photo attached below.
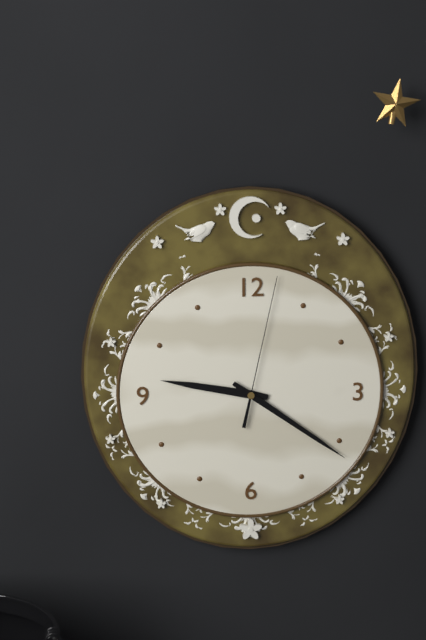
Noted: **9:21:02**
